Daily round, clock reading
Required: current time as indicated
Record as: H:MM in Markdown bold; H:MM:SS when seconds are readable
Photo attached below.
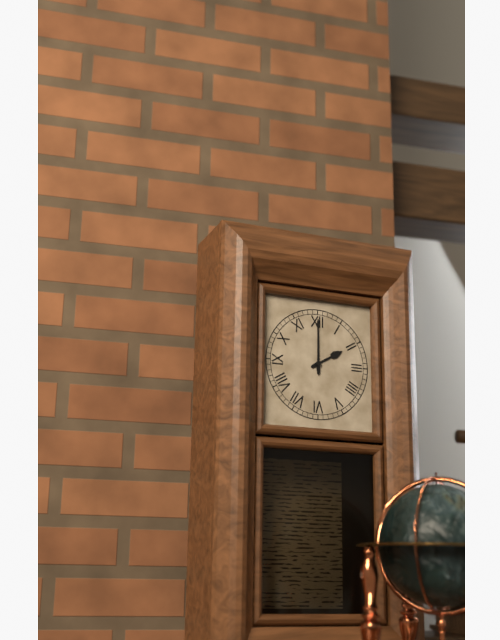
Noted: **2:00**
